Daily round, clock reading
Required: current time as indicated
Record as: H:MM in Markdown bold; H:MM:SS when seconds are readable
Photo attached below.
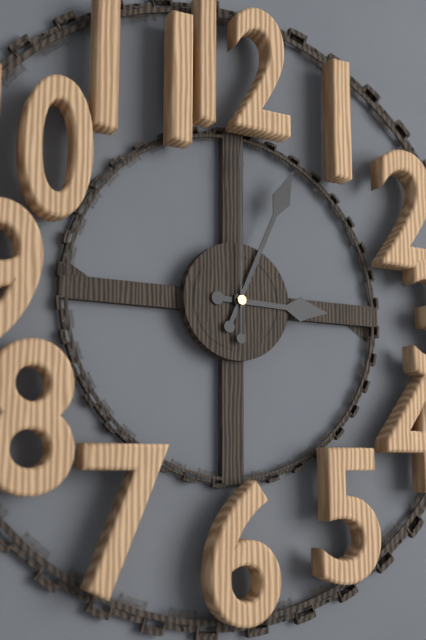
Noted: **3:04:00**
